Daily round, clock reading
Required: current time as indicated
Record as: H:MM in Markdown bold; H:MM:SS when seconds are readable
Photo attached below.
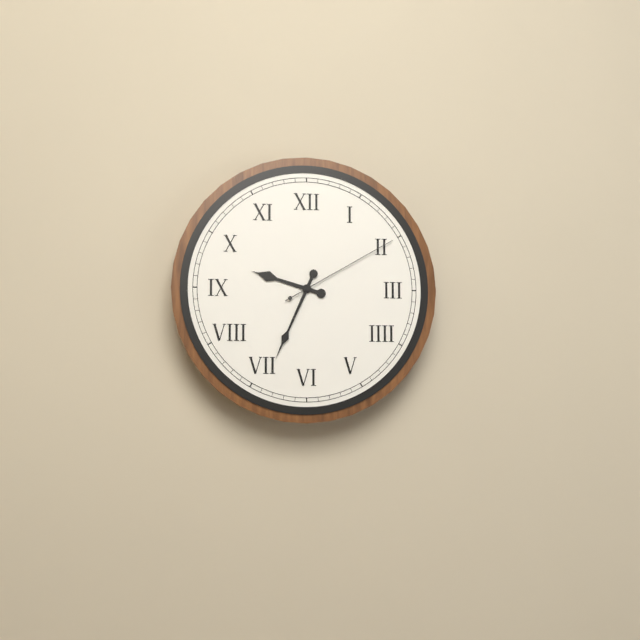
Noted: **9:34:10**
